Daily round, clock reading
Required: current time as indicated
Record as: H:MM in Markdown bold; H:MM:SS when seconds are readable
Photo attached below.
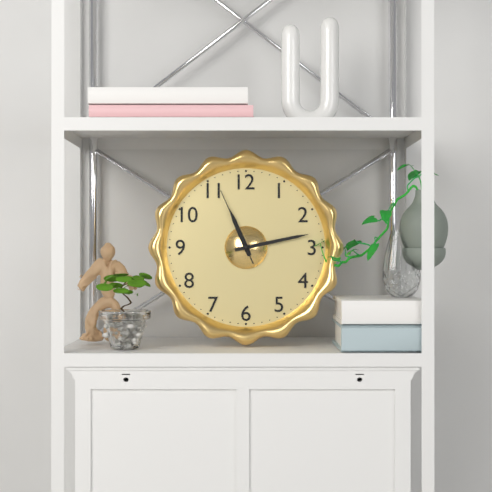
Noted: **11:13:56**
